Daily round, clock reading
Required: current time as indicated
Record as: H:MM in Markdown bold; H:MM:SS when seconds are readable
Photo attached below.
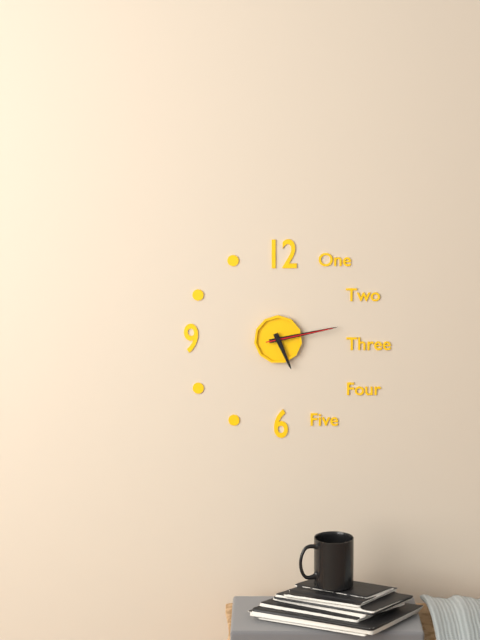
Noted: **5:13:13**
